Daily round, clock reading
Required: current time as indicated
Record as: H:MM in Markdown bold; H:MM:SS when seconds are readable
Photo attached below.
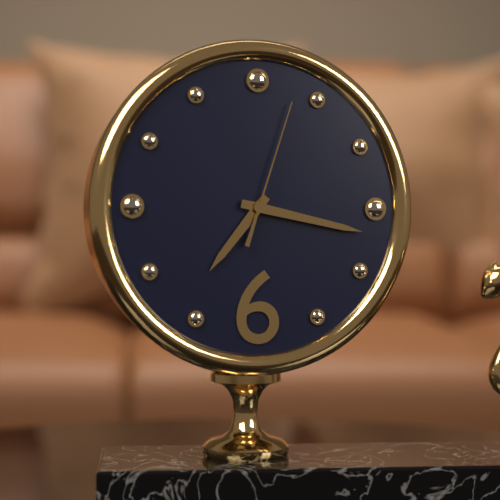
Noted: **7:17:03**
